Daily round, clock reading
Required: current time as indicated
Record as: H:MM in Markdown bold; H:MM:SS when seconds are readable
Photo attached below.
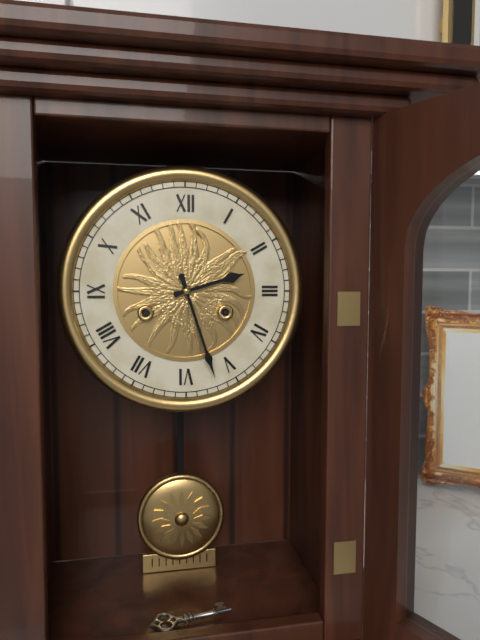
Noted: **2:27**
